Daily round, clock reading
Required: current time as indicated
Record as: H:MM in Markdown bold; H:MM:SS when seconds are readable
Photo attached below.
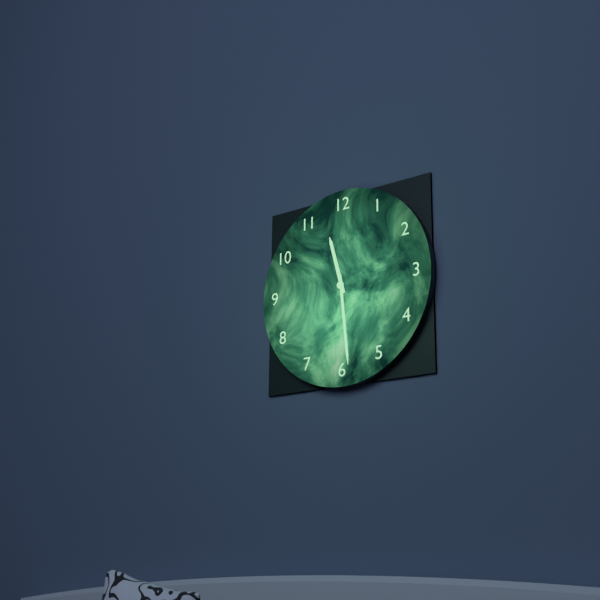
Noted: **11:29**
